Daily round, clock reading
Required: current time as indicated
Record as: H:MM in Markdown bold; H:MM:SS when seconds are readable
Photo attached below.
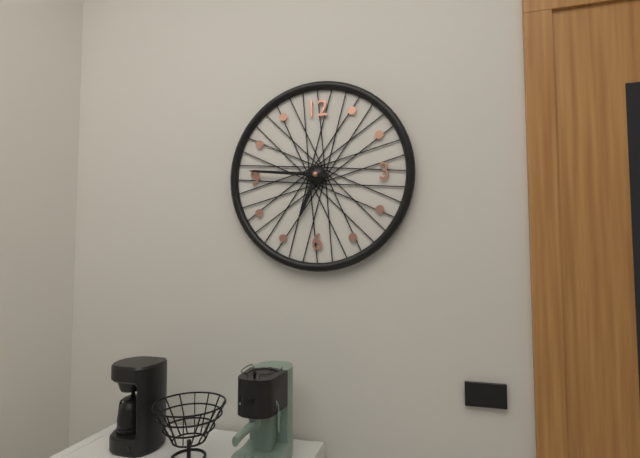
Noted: **6:46**
